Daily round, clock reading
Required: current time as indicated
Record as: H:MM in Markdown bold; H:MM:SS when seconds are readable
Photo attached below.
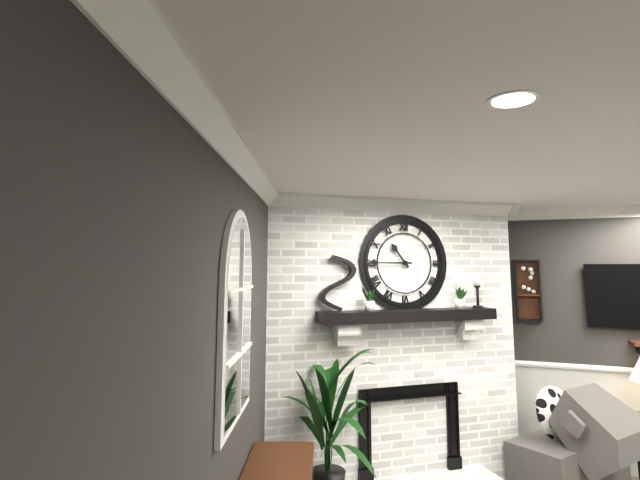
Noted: **10:45**
